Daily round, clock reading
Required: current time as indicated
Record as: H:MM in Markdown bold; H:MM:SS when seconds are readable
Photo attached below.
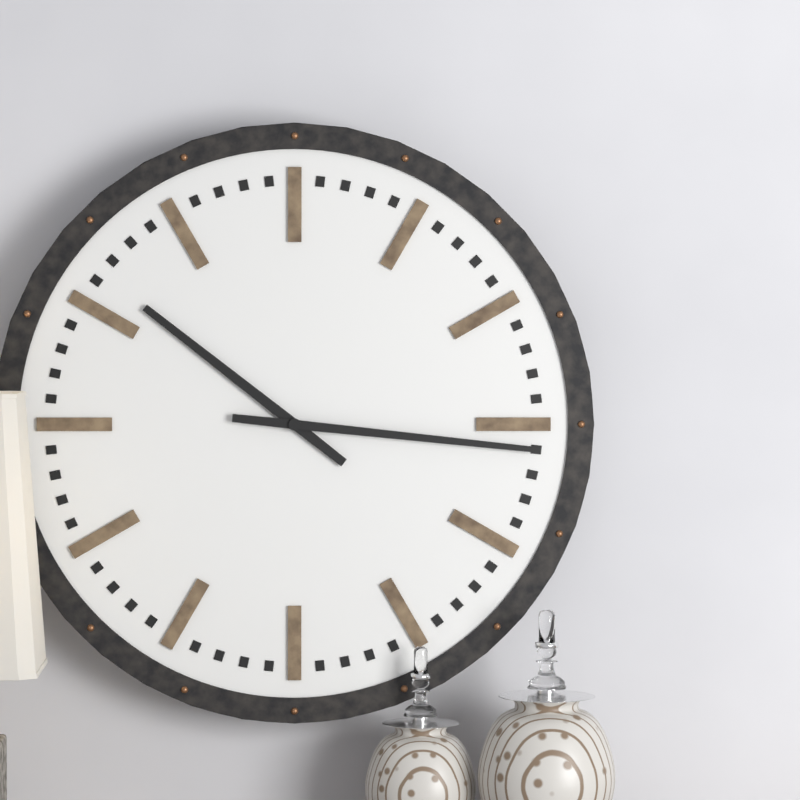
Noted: **10:16**
